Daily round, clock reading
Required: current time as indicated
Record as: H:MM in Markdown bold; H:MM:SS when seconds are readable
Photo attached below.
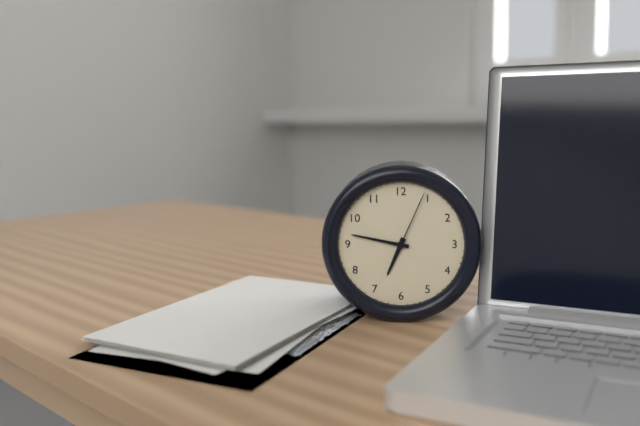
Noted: **6:47:04**
